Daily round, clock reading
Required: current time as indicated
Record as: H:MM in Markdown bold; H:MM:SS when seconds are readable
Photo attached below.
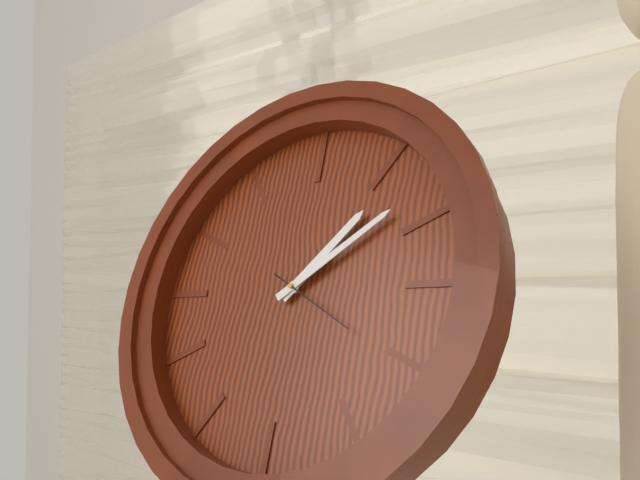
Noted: **4:24:35**
